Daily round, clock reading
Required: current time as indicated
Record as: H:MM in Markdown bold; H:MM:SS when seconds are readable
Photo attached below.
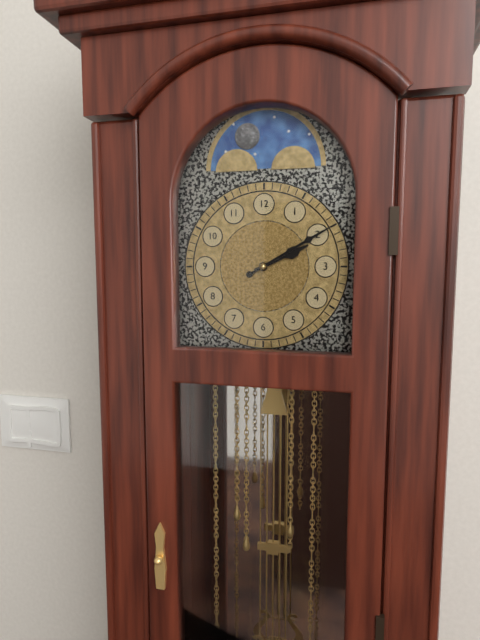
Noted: **2:10**
